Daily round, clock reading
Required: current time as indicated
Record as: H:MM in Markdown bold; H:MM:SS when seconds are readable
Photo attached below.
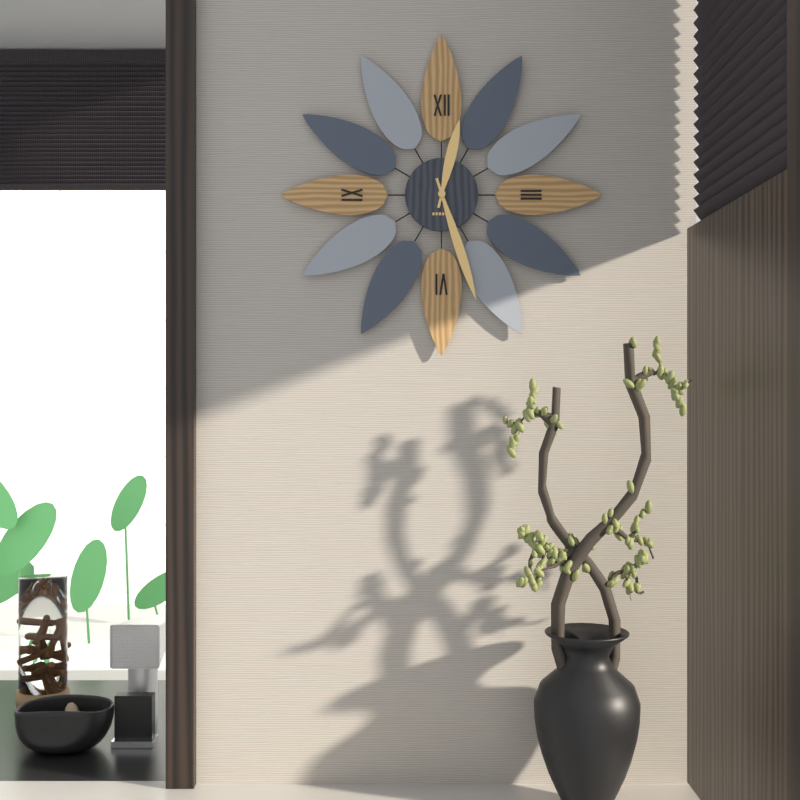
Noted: **12:27**
